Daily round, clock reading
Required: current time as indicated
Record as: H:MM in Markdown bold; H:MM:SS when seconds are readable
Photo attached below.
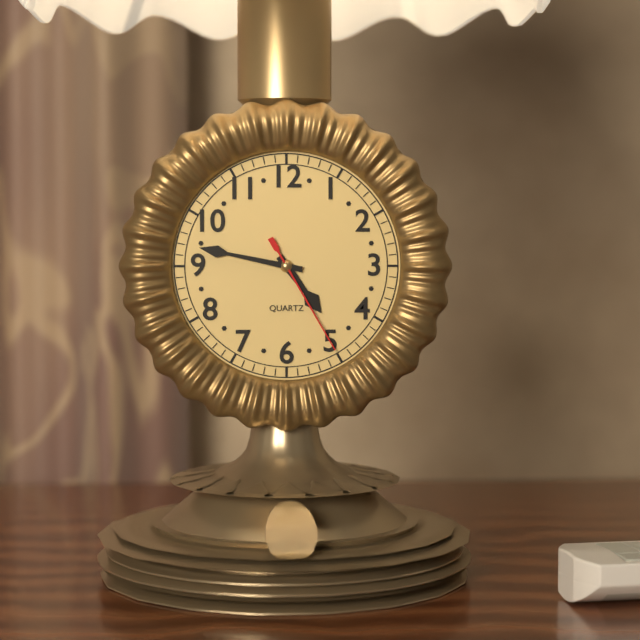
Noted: **4:47:25**
